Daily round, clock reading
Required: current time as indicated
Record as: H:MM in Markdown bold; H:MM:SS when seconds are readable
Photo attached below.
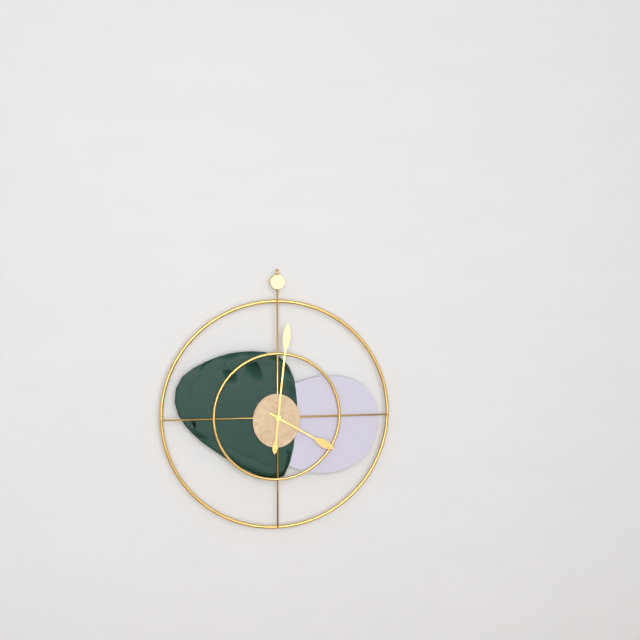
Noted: **4:01**
